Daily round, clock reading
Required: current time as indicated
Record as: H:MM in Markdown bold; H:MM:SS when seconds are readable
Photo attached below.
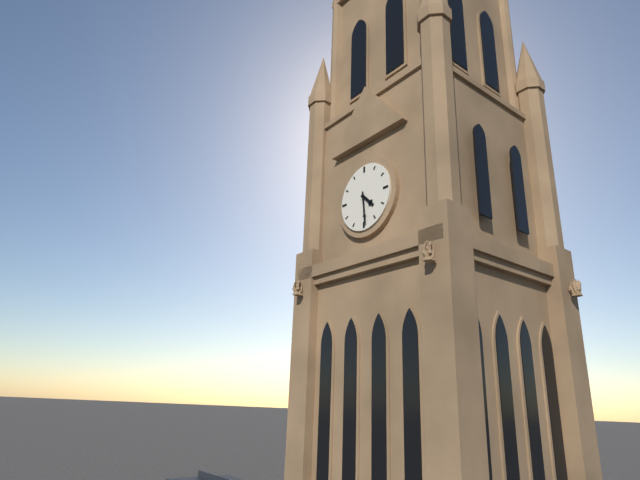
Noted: **4:29**
